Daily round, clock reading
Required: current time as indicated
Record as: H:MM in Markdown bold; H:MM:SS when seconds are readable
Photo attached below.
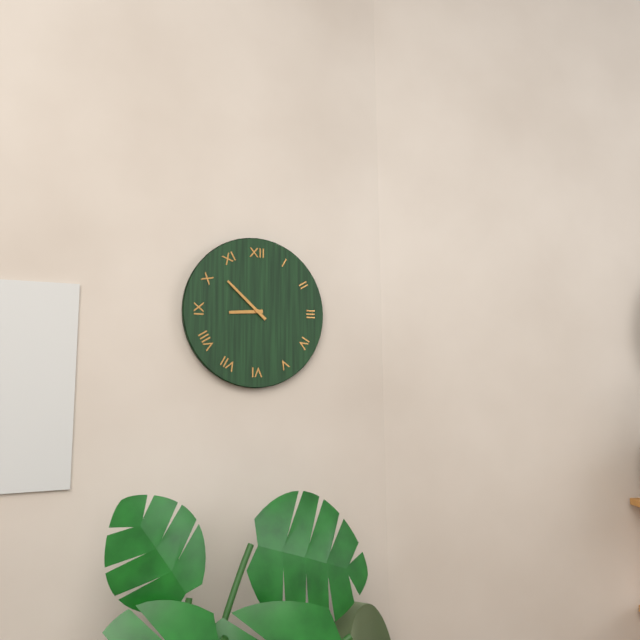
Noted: **8:52**
